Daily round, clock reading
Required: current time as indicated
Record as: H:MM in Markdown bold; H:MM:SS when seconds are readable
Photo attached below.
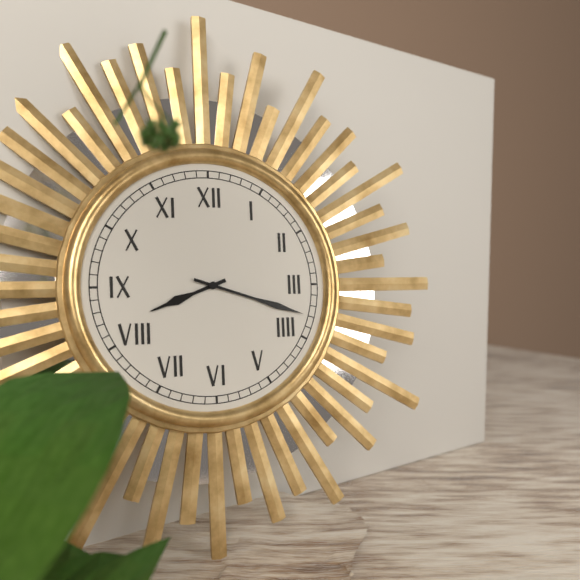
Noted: **8:18**
